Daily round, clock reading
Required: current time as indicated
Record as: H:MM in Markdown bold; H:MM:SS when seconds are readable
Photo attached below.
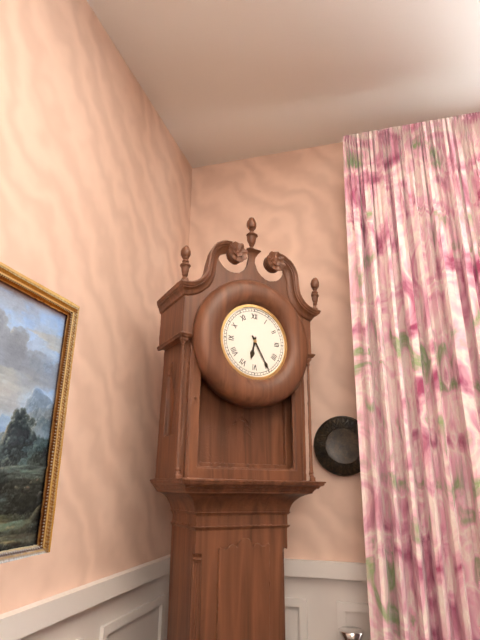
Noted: **6:25**
